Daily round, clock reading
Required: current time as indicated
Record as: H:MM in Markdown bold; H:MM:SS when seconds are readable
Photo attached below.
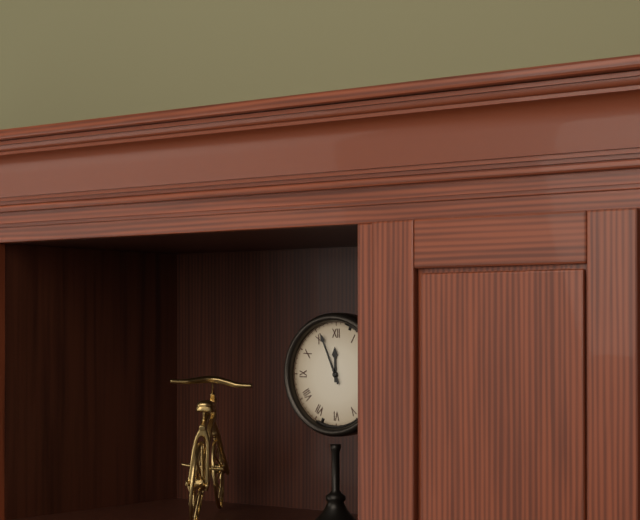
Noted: **11:56**
